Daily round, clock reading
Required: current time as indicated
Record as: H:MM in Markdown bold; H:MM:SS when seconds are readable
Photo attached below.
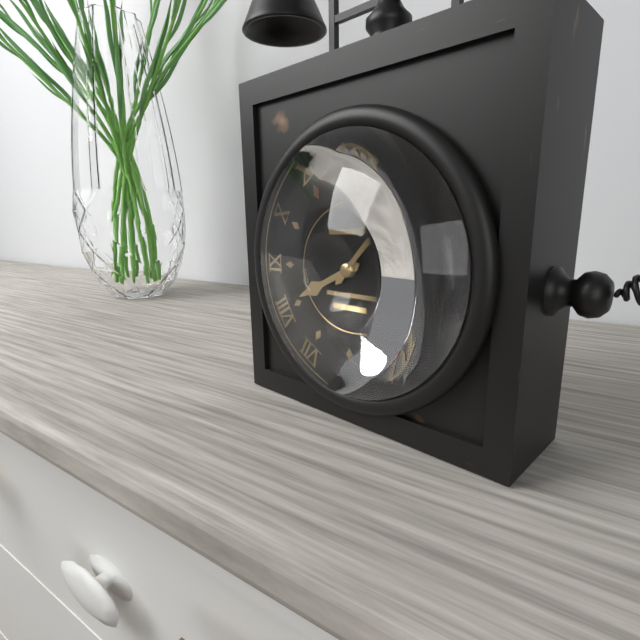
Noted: **8:07**
